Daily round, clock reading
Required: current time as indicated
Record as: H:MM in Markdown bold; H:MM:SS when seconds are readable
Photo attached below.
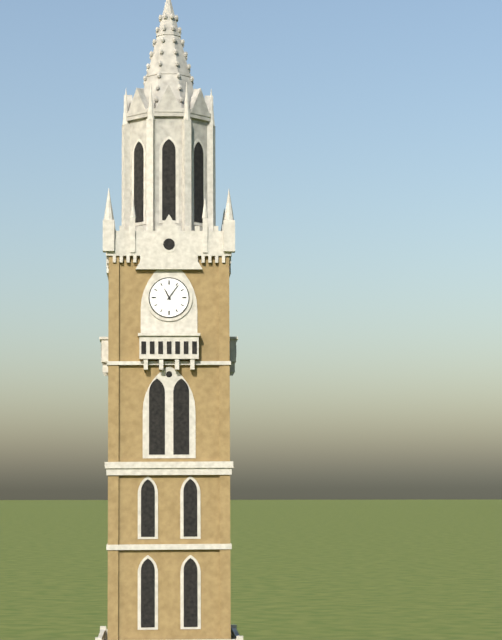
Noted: **11:06**
